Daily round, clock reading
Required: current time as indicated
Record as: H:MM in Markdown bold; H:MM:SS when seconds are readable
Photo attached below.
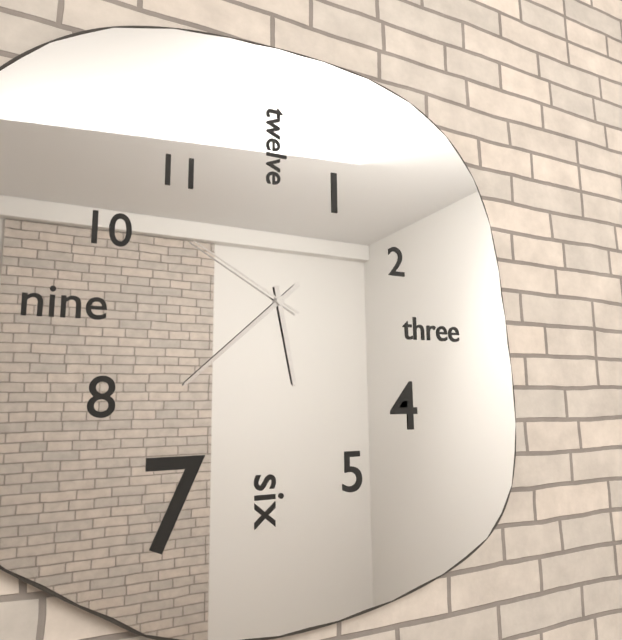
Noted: **5:38:50**
